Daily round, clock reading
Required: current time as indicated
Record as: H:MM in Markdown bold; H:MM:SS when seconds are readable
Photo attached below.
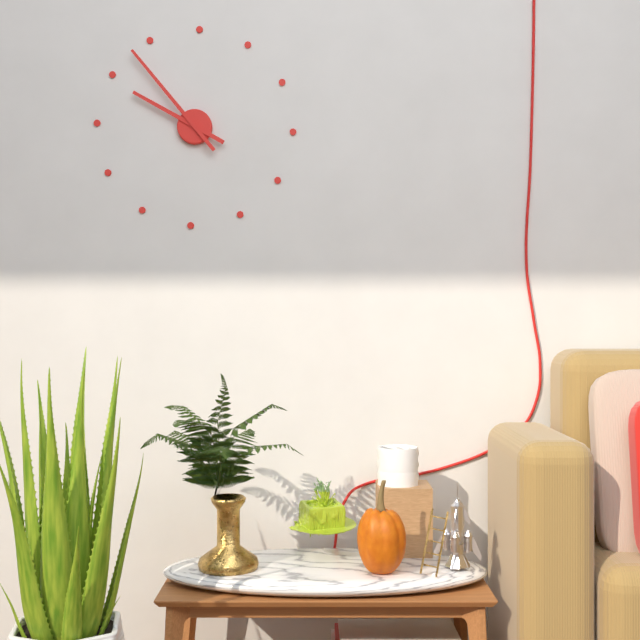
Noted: **9:53**
